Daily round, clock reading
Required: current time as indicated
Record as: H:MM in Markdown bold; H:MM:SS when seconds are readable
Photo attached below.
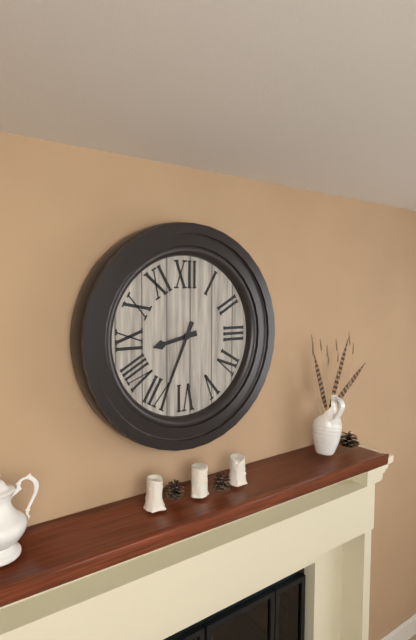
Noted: **8:34**
